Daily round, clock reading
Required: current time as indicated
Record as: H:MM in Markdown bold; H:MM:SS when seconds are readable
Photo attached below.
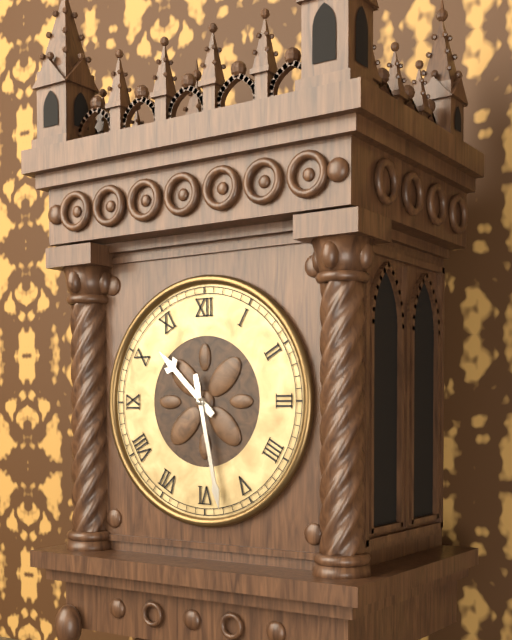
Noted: **10:28**
